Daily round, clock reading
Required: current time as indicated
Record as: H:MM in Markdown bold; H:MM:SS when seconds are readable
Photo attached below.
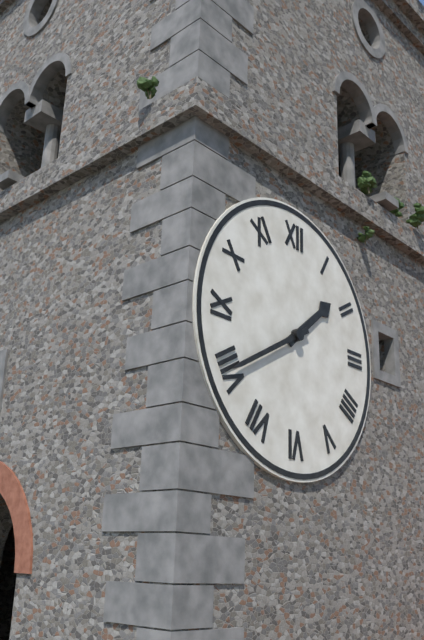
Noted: **1:40**
